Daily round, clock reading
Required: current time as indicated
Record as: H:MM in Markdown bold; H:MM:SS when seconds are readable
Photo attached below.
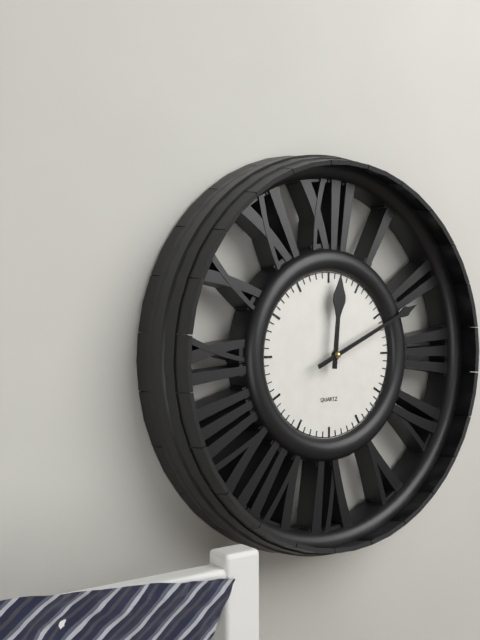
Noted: **12:11**
